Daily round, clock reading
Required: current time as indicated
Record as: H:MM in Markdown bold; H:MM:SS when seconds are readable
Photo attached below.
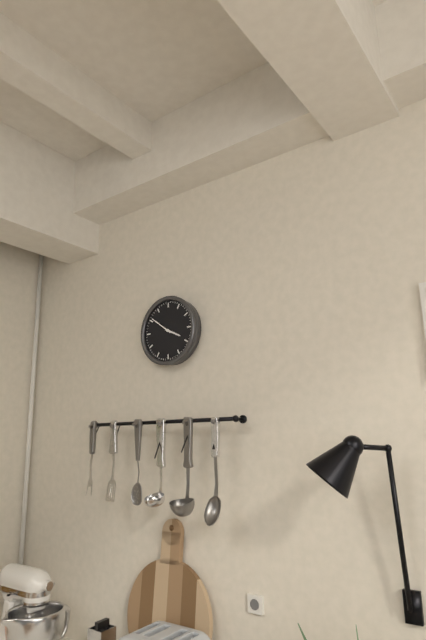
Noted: **3:51**
